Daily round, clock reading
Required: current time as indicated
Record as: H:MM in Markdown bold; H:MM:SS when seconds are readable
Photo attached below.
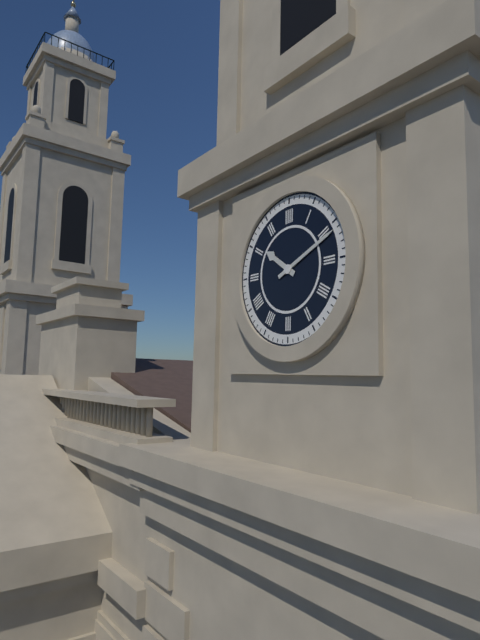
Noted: **10:11**
